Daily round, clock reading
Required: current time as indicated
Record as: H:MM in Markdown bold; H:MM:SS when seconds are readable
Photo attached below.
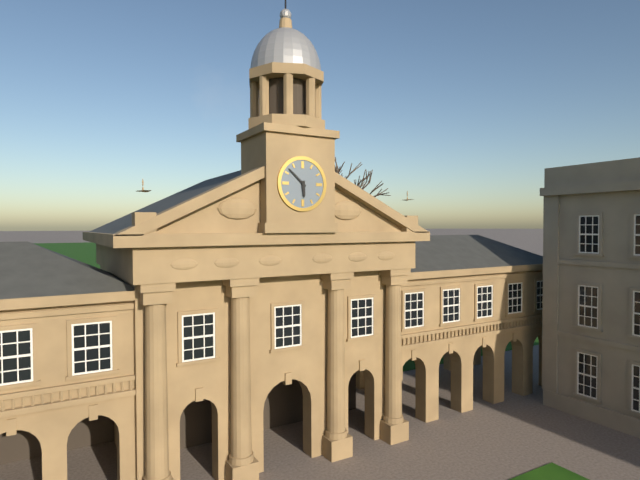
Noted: **5:52**
